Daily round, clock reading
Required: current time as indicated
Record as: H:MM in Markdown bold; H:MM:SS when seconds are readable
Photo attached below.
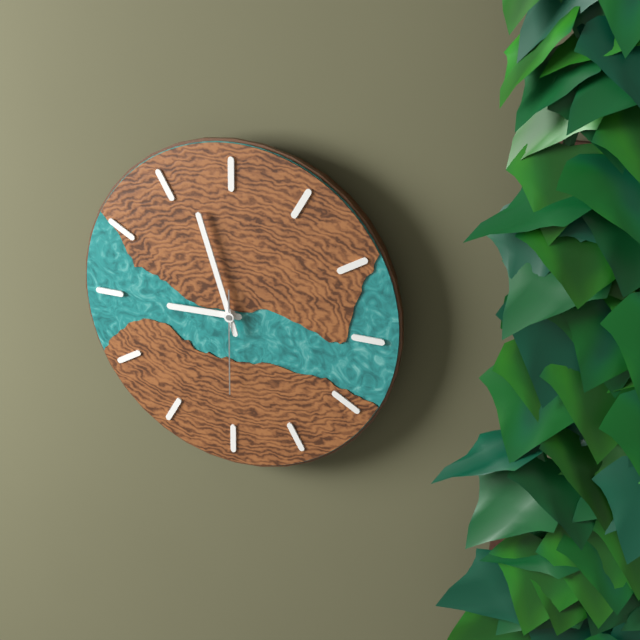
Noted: **8:57:30**
